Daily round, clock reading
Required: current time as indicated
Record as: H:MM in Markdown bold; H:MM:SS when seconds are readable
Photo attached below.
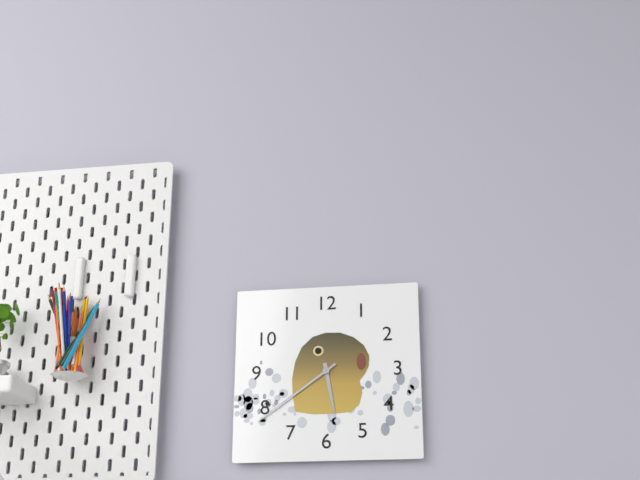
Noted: **5:39**
